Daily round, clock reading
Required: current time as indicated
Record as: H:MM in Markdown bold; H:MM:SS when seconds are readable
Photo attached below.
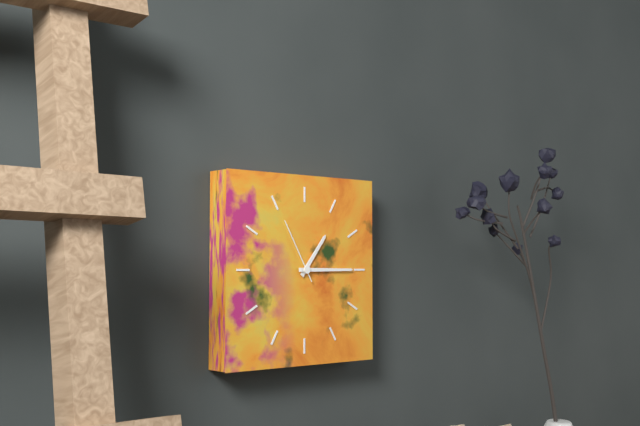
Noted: **1:15:55**
